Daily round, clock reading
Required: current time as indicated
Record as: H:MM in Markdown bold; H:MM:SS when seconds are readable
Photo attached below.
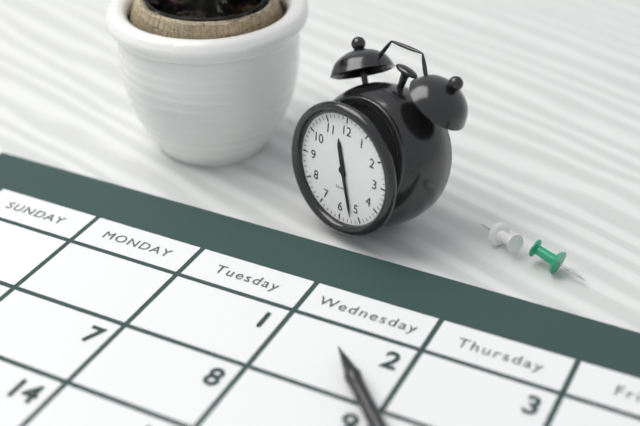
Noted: **11:27**
